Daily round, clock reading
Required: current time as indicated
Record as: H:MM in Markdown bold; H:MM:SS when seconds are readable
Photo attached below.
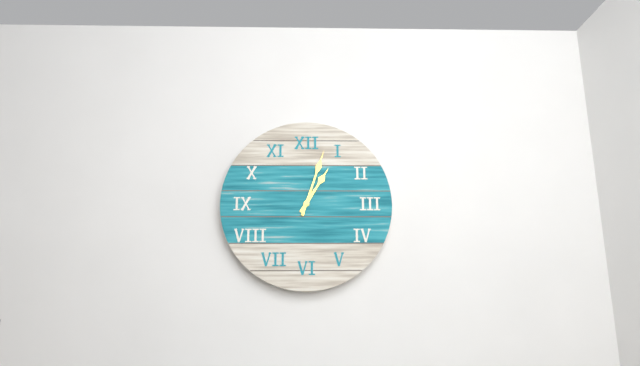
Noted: **1:03**
